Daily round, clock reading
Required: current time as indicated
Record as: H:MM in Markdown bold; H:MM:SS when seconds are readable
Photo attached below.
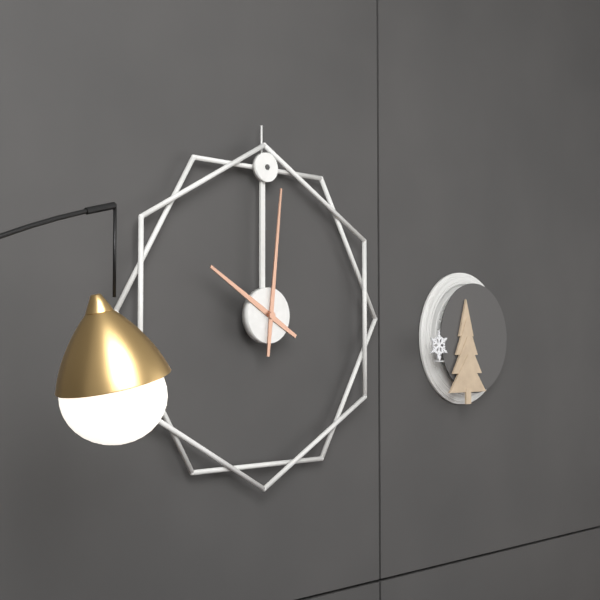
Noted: **10:01**
